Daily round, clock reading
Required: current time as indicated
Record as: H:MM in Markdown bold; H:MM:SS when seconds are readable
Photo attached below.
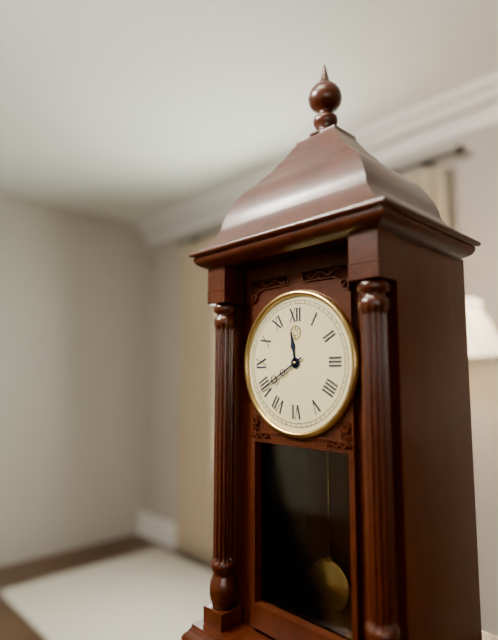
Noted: **11:40**
